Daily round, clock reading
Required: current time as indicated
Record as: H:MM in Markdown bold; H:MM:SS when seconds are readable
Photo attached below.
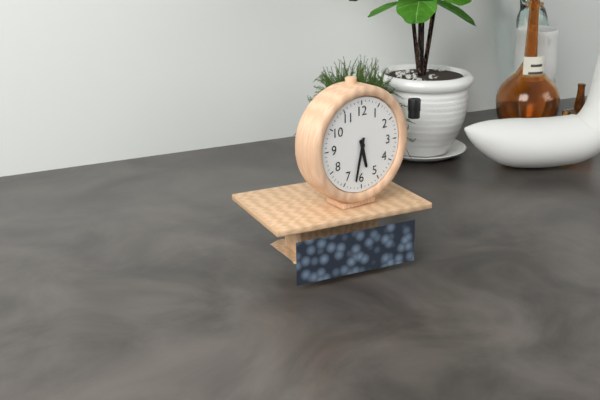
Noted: **5:32**
